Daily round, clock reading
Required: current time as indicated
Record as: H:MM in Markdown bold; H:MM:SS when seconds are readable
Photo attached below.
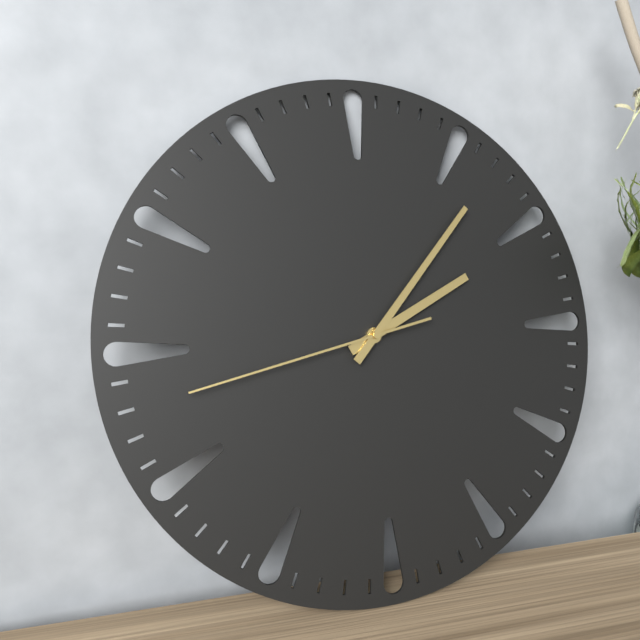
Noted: **2:07:43**
